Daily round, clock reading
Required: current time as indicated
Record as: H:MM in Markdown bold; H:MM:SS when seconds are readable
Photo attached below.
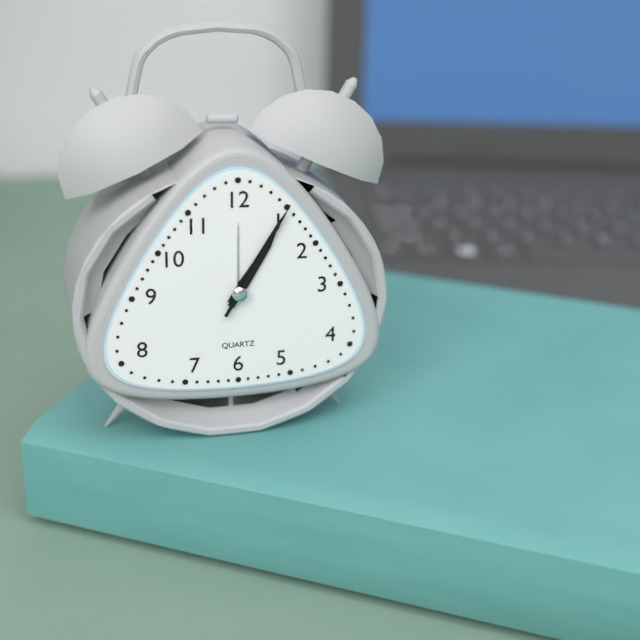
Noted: **1:05:05**
